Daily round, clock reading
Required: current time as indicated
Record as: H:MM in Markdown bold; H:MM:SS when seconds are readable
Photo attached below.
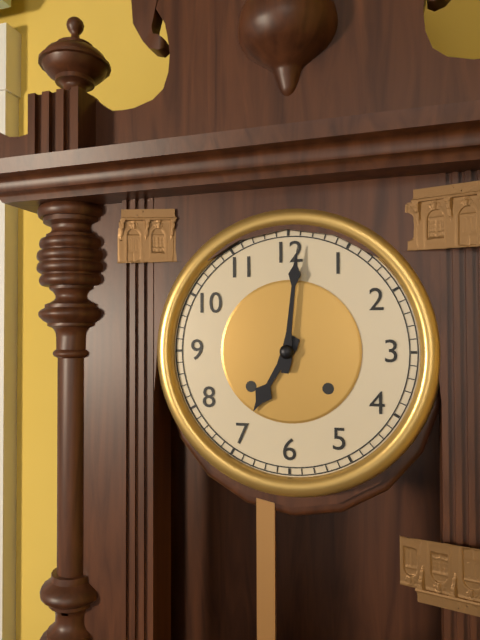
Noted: **7:01**
